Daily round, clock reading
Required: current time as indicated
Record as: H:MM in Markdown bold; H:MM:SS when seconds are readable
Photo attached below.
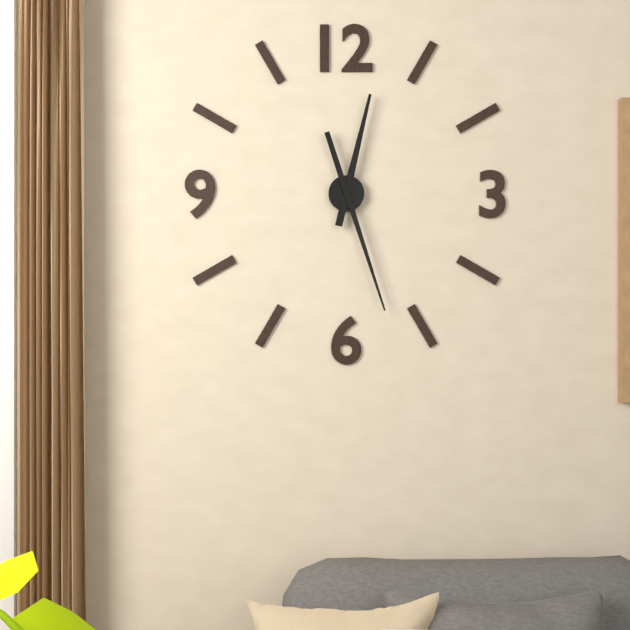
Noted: **12:27**
